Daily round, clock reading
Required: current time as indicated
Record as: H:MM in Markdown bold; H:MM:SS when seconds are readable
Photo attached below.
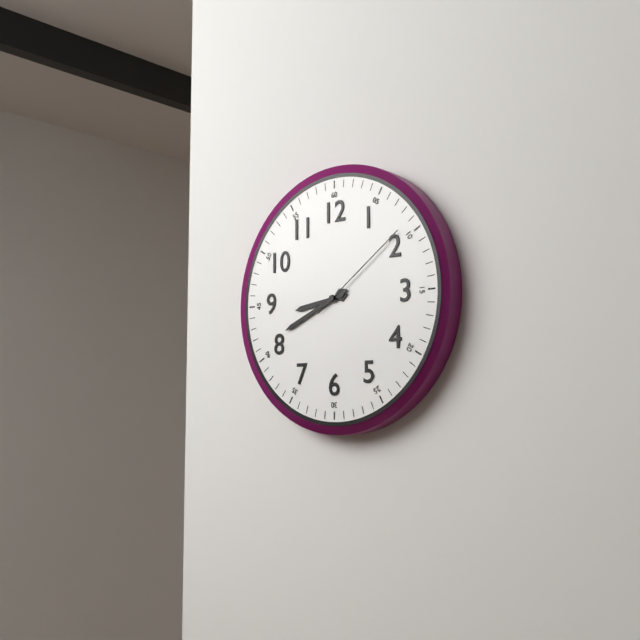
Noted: **8:41:09**
